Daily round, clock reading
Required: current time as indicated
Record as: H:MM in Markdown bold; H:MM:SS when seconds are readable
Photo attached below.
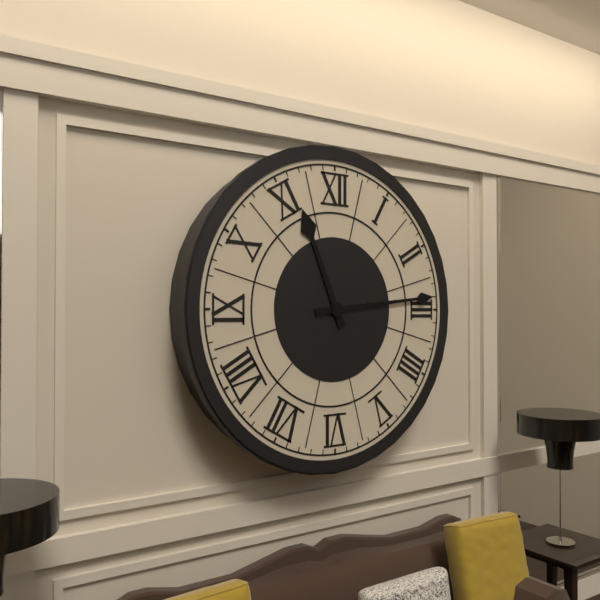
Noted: **11:14**
